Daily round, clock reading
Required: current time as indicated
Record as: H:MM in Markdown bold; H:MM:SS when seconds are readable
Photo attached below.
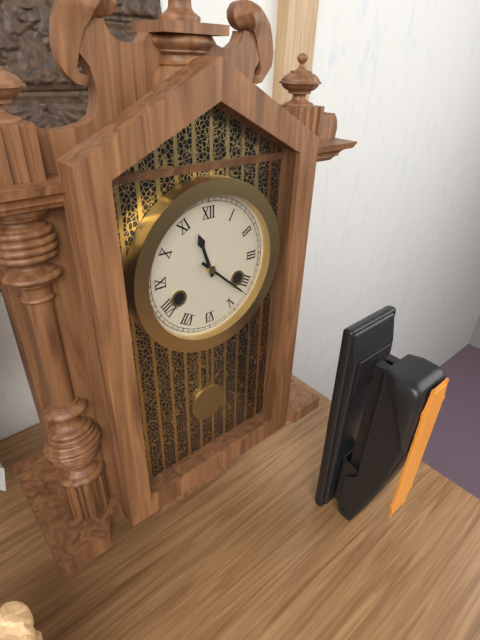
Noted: **11:22**
